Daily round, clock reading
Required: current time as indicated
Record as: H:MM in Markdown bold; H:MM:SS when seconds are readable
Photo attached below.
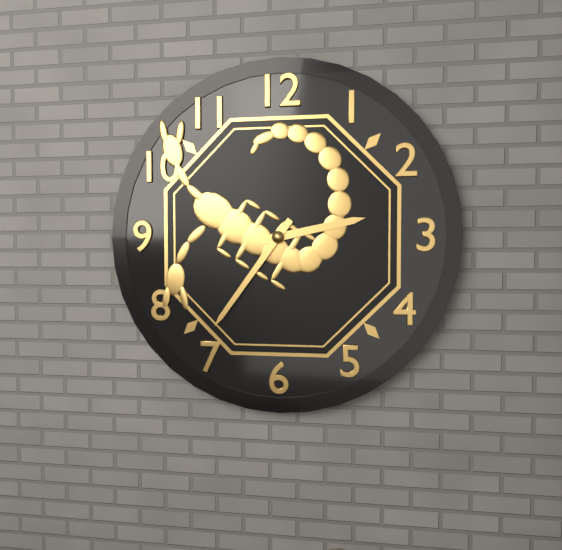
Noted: **2:36**
